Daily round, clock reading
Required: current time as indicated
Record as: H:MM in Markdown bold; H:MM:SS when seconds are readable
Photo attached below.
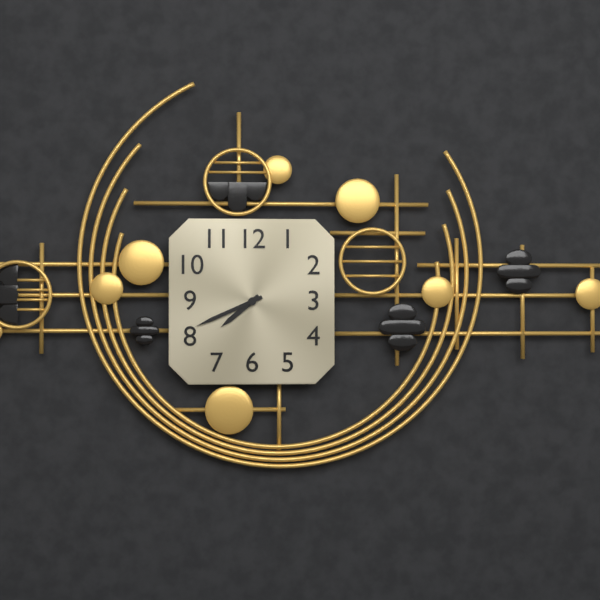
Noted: **7:41**
